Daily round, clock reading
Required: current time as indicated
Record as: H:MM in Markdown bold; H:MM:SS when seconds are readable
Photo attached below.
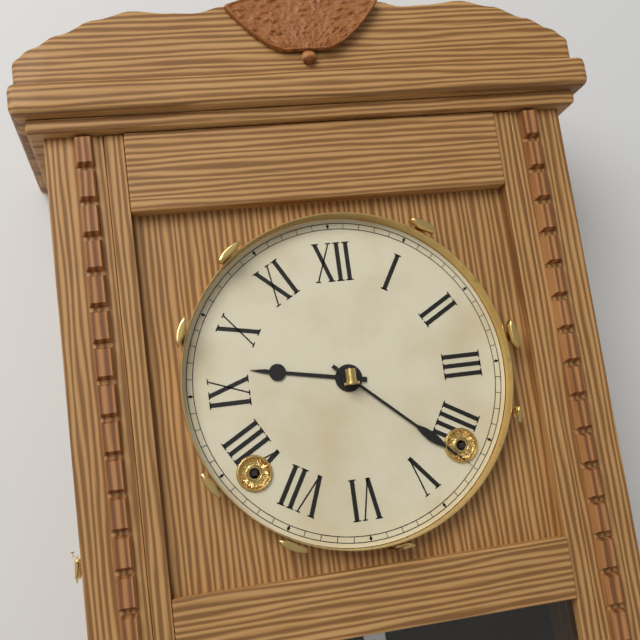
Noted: **9:22**
